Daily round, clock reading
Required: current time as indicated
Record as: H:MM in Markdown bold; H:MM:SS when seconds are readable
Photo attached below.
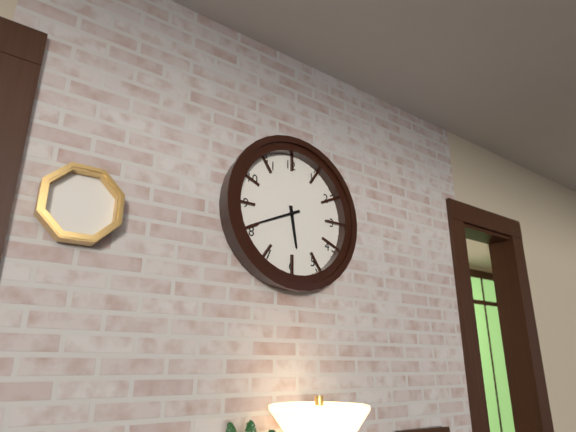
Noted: **5:41**
